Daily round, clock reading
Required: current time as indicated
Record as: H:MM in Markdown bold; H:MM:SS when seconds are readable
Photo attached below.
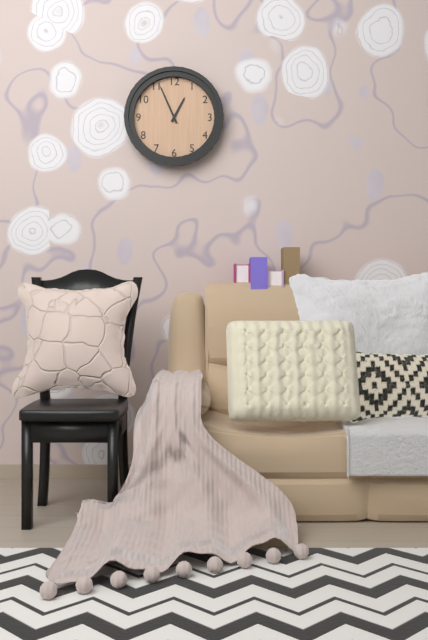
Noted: **12:56**
